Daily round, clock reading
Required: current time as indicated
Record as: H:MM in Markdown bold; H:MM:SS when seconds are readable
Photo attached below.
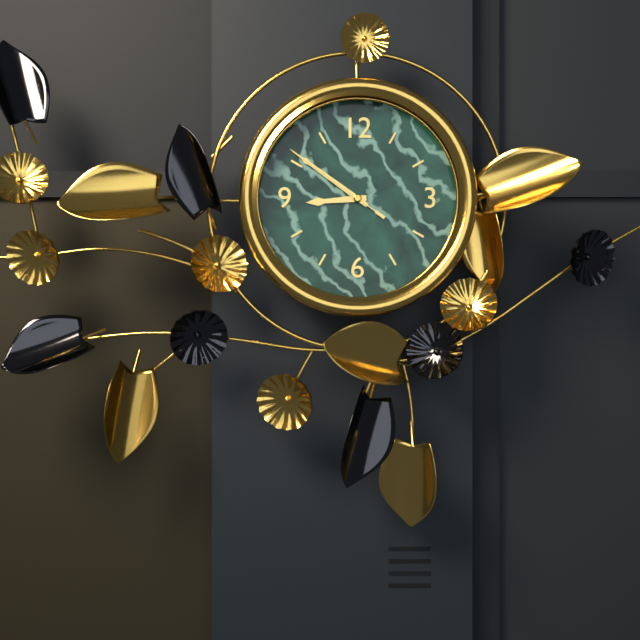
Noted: **8:51:51**
